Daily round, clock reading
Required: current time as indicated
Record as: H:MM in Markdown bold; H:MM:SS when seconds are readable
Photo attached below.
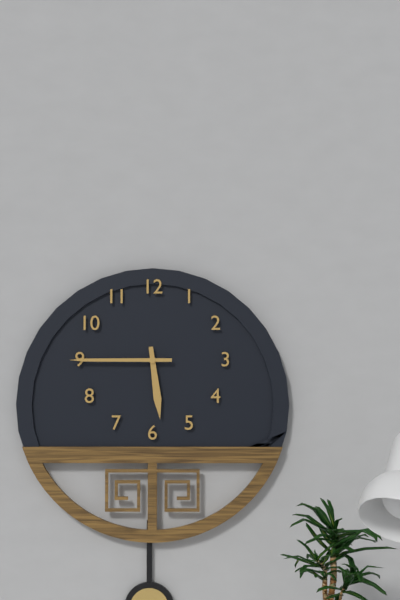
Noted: **5:45**
